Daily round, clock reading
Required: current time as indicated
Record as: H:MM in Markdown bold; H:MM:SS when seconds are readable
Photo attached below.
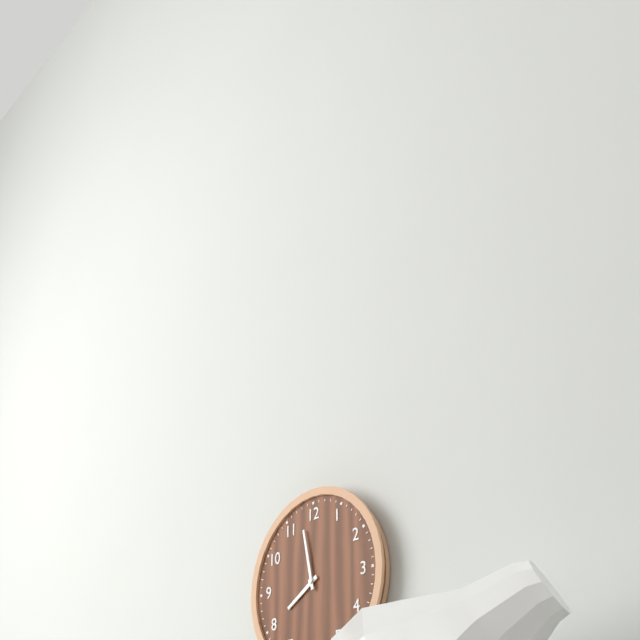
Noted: **7:58**
